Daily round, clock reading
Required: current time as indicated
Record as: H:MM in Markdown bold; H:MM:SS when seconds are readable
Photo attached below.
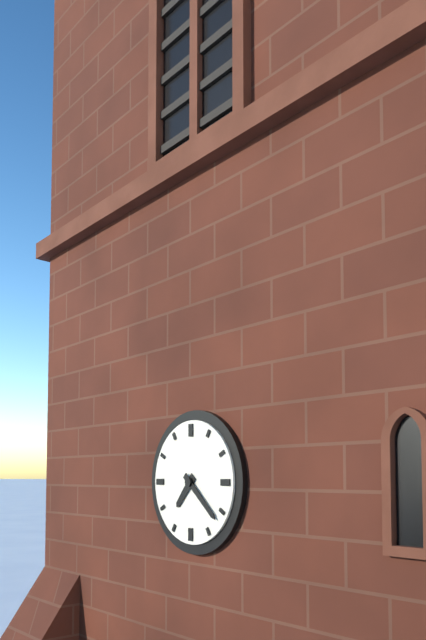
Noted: **7:22**
